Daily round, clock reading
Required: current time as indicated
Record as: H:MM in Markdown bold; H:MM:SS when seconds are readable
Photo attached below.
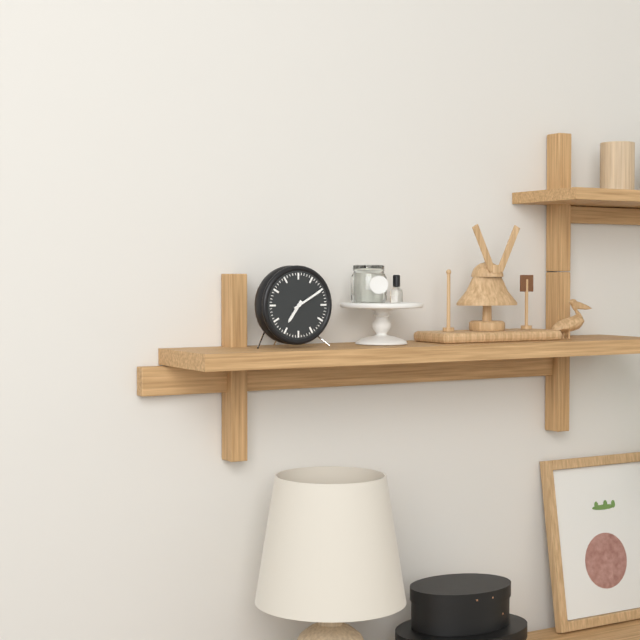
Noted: **7:10**
